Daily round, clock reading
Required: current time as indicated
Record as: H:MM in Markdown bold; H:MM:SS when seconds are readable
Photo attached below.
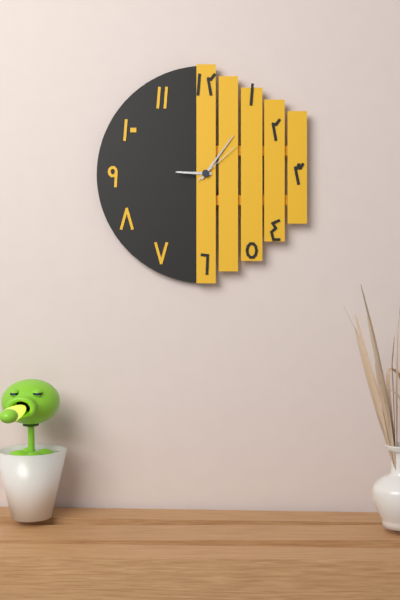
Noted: **9:06:08**
